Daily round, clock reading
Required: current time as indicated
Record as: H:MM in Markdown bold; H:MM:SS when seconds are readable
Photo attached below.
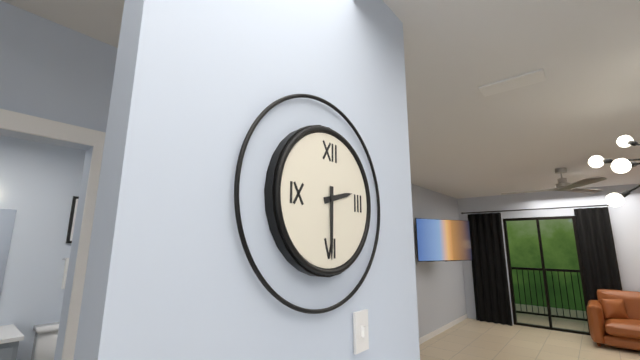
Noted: **2:30**
